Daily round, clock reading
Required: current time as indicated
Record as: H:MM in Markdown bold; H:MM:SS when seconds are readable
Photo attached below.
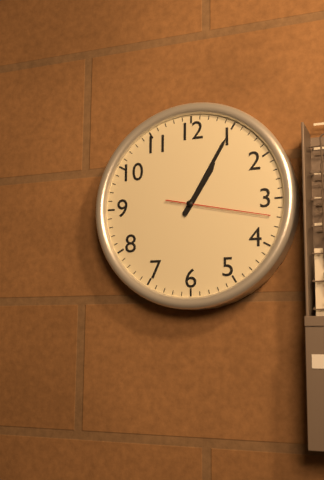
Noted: **1:05:17**
